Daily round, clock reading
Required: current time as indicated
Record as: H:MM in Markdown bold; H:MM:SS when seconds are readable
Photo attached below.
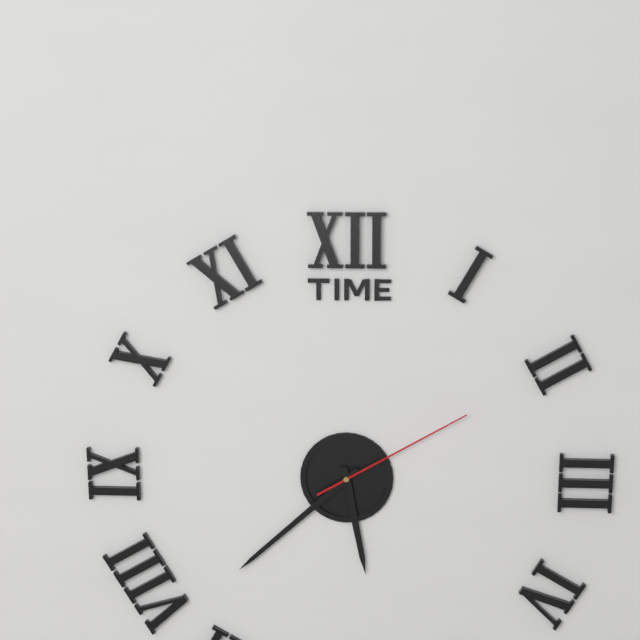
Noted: **5:38:10**
